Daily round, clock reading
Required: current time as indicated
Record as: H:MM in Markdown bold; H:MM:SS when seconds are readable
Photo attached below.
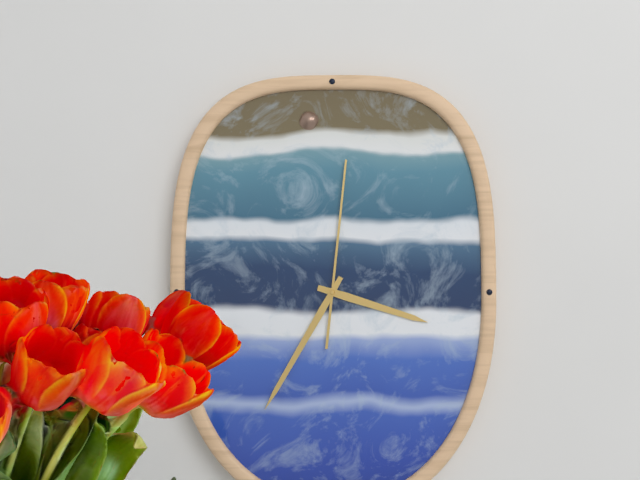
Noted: **3:35:01**
